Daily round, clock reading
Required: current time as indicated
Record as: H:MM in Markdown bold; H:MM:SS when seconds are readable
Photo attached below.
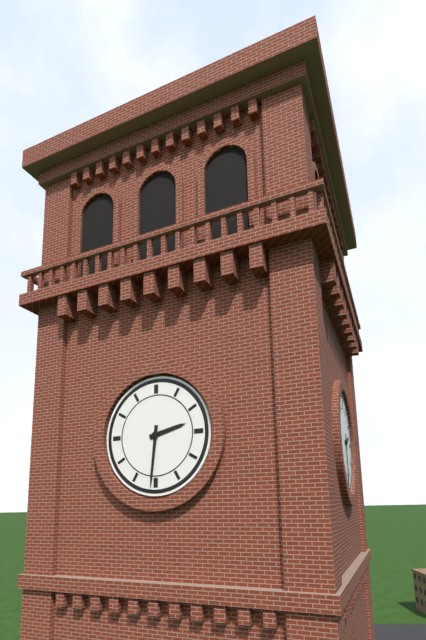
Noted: **2:31**
